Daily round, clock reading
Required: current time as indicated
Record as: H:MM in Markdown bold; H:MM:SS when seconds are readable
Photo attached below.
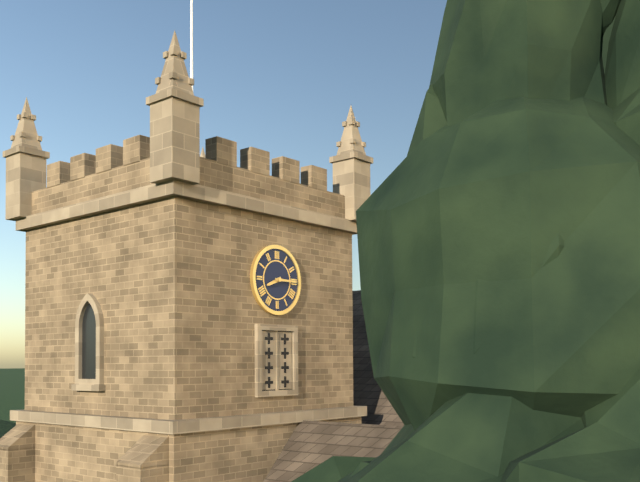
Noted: **8:15**
